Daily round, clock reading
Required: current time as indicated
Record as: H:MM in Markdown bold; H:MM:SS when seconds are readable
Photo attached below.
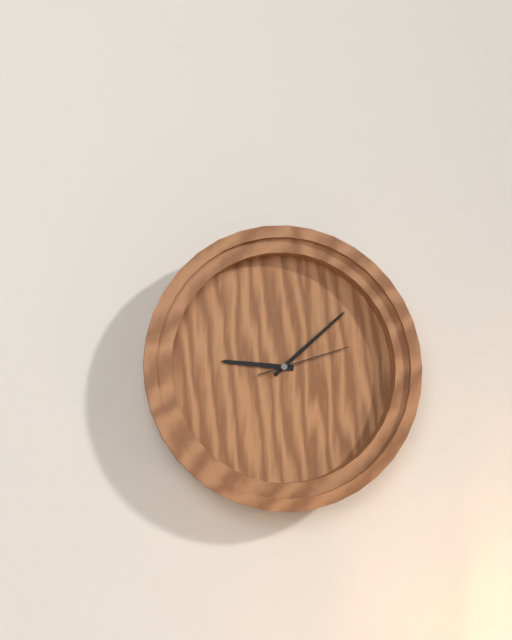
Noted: **9:08:12**
